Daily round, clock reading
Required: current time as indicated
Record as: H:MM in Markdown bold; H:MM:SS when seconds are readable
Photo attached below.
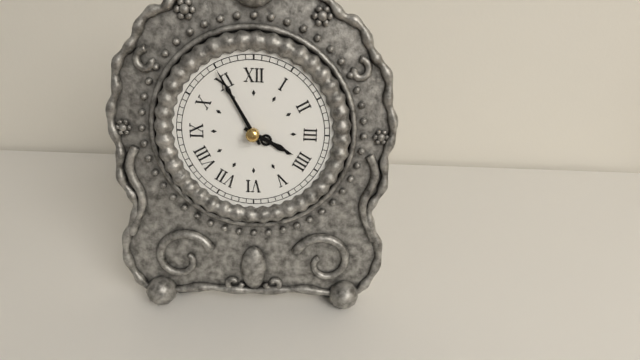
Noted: **3:55**
